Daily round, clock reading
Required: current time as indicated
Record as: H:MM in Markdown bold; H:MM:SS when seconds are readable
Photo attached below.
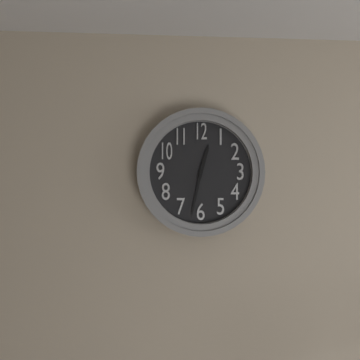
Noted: **12:32**
